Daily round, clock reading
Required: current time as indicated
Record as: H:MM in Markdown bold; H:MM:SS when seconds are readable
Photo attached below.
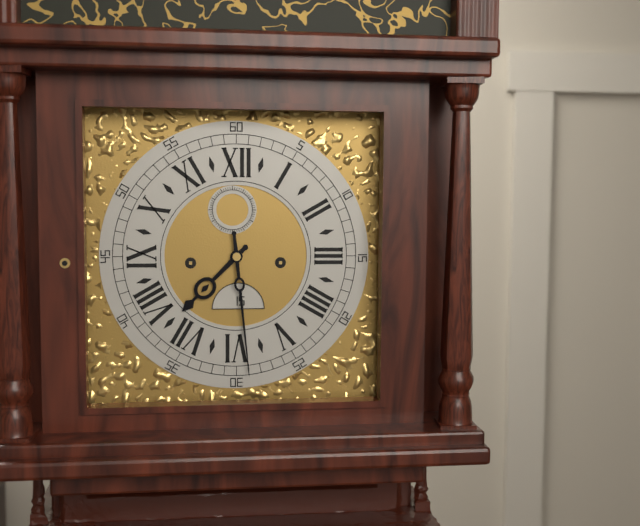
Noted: **7:29**
